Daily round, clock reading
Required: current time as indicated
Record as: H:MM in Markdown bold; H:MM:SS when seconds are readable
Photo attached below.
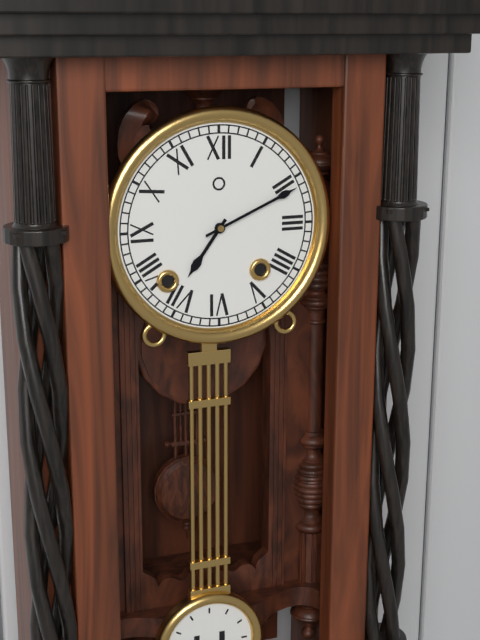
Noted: **7:11**
